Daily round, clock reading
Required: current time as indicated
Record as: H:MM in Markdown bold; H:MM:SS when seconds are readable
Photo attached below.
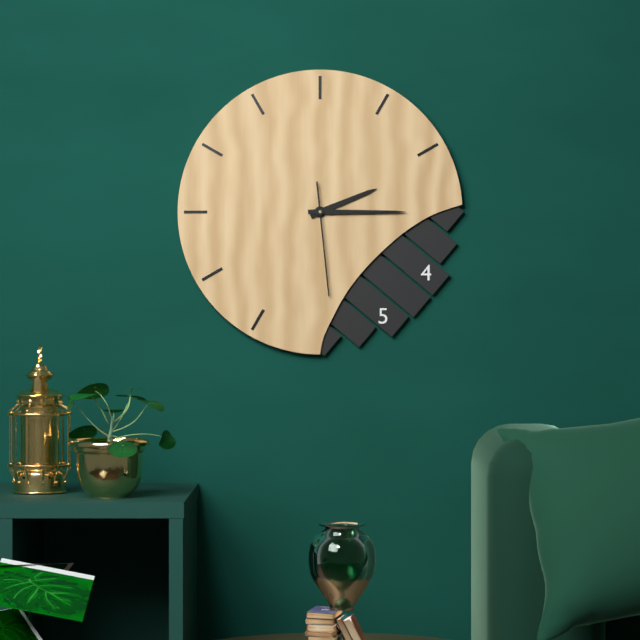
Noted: **2:15:29**
